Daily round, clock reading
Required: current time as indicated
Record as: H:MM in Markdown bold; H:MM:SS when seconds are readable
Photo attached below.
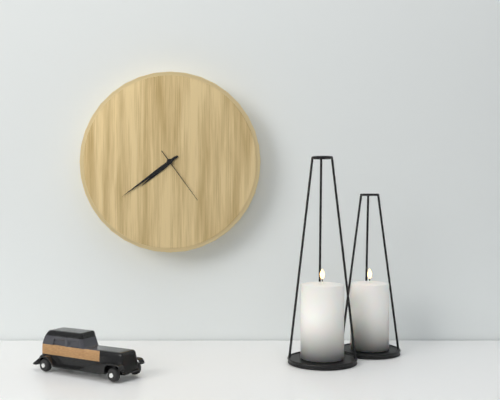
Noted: **7:39:24**
